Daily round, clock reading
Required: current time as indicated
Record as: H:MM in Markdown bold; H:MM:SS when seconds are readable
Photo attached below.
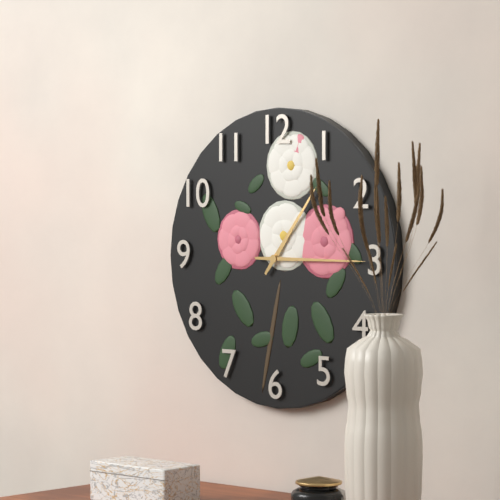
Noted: **1:15**
